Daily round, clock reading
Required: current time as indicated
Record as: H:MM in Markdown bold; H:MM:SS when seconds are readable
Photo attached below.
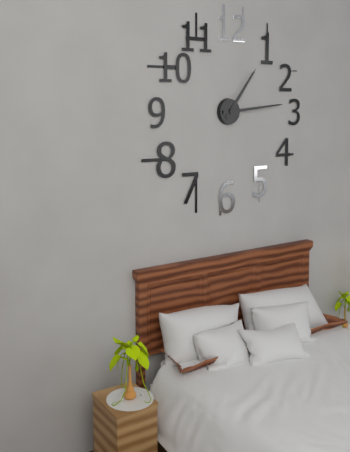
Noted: **1:14**
